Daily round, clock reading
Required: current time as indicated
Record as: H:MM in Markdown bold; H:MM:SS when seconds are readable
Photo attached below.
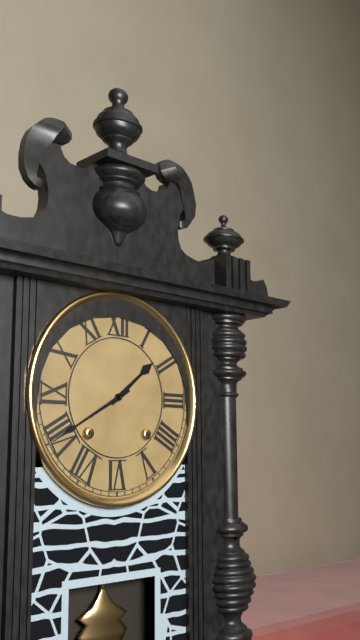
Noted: **1:40**
